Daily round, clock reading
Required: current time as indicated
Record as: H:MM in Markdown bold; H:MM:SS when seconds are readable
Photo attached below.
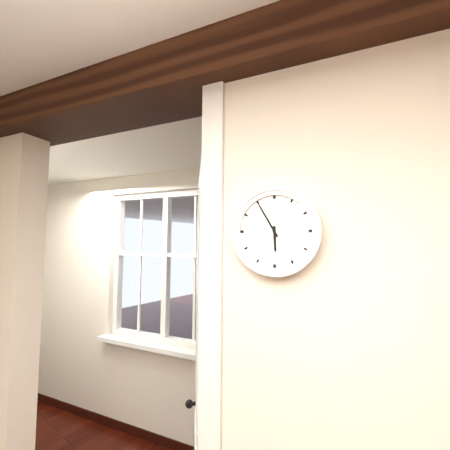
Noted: **5:55**
